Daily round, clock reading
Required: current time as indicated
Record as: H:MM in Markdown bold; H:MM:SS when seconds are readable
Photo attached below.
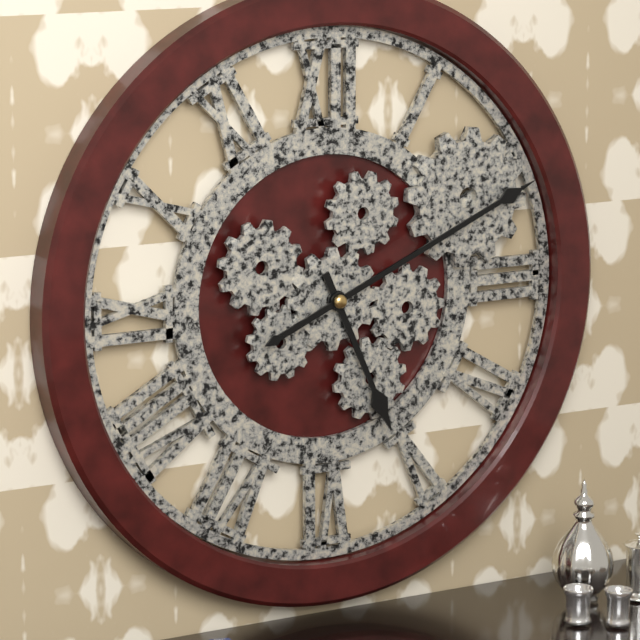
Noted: **5:11**
